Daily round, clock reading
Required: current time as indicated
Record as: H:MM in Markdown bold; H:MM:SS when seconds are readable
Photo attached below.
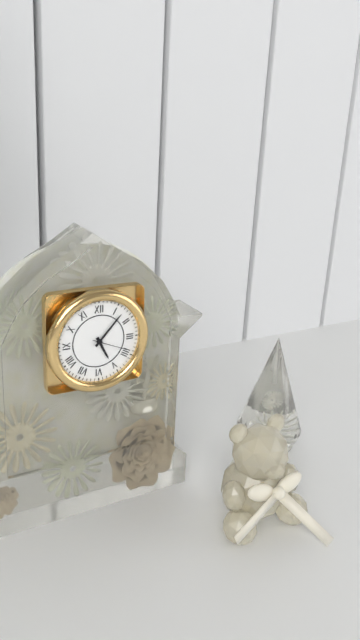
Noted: **5:07**
